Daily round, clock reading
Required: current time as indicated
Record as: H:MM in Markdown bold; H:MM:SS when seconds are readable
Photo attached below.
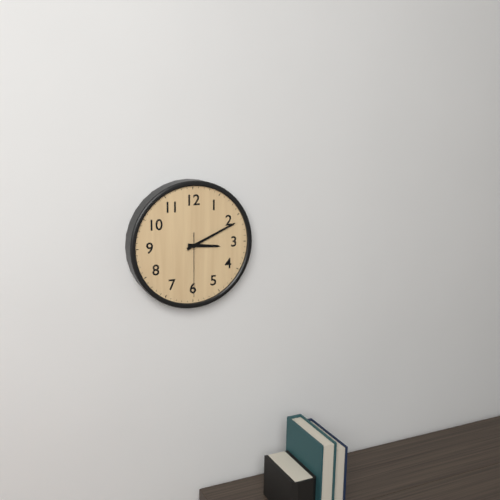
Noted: **3:11:30**
